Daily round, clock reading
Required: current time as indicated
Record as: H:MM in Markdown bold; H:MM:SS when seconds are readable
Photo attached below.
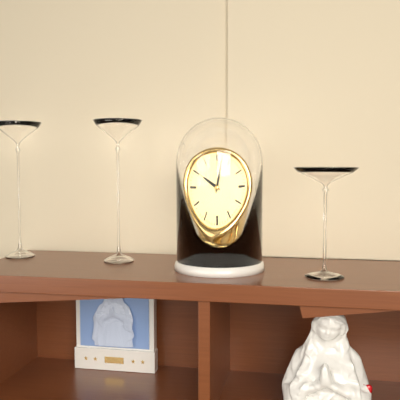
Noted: **10:02**
